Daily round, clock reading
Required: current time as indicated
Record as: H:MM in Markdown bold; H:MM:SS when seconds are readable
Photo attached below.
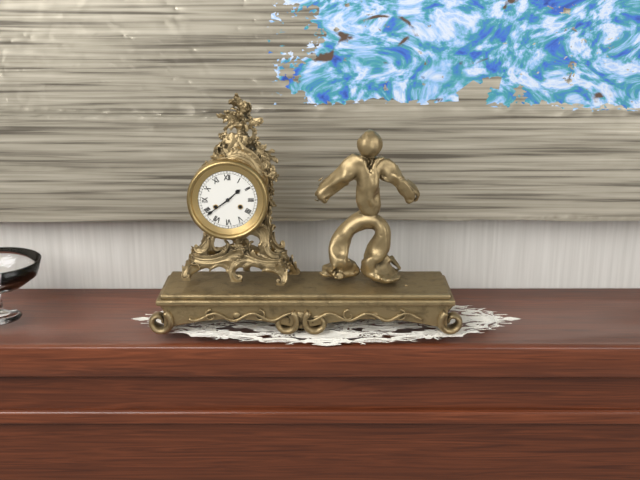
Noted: **1:39**
